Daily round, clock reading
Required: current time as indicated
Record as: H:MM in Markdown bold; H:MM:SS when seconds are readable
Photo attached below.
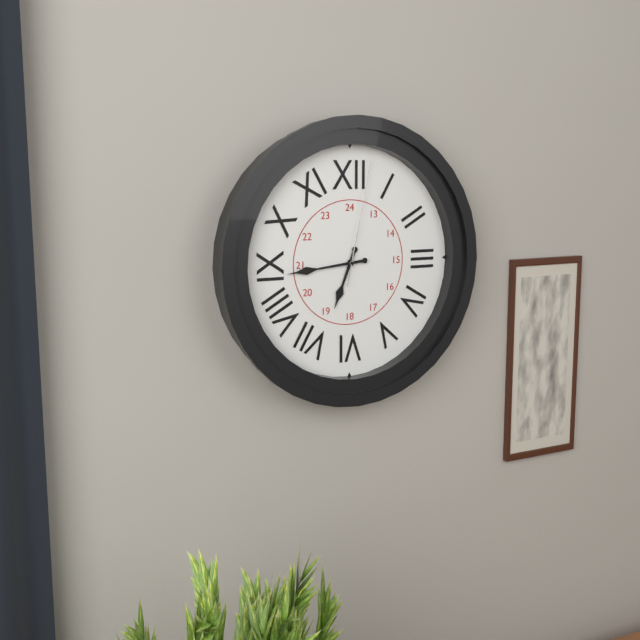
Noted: **6:44:02**
